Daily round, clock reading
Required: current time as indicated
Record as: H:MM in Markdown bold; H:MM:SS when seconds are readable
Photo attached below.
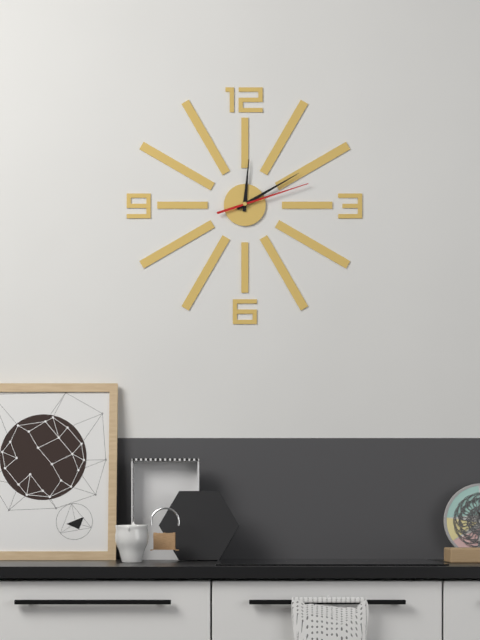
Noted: **12:10:12**
